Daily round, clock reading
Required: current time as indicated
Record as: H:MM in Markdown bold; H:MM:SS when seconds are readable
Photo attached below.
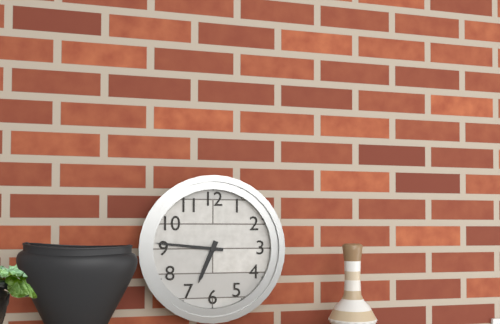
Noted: **6:46**
